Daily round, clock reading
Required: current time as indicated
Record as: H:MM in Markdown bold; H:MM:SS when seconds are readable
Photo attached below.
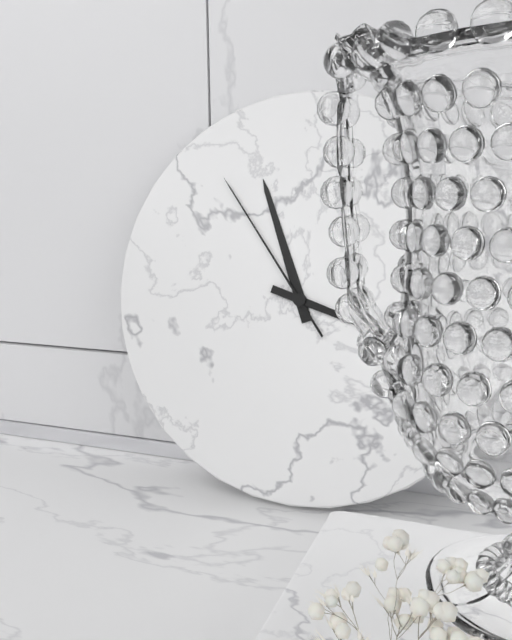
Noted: **11:18:54**
